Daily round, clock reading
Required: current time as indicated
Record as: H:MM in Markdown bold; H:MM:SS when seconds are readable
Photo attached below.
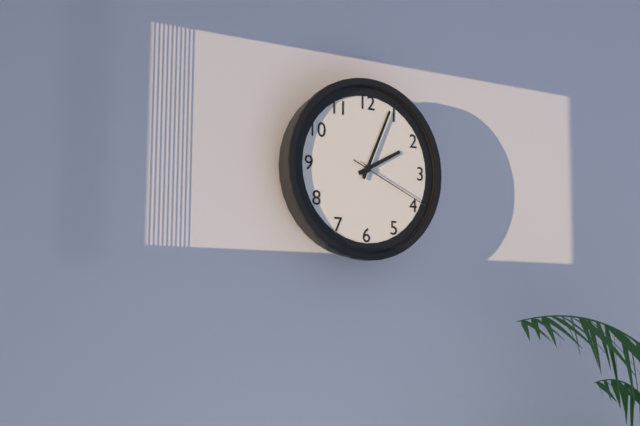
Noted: **2:04:19**
